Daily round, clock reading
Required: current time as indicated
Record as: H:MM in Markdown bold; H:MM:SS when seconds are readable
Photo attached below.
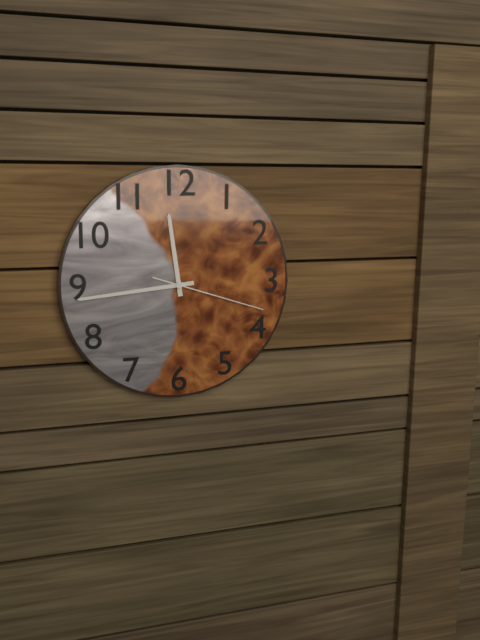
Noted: **11:44:18**
